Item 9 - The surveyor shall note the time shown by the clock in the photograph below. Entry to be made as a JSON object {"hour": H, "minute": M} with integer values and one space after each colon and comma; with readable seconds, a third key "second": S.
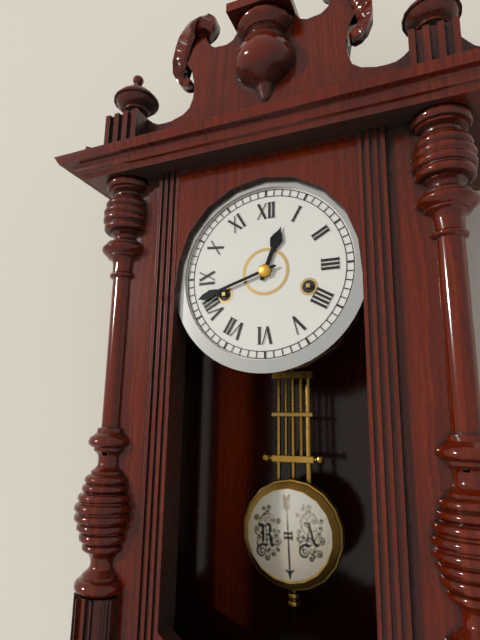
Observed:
{"hour": 12, "minute": 42}
